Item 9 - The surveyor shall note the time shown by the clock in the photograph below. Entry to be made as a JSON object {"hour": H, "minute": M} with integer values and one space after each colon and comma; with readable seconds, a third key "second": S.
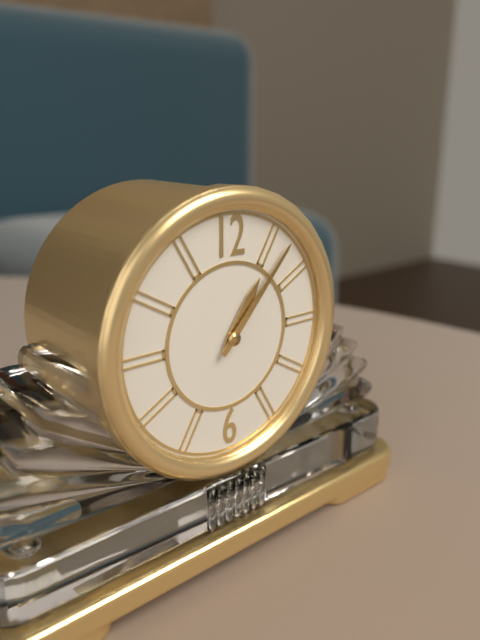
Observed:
{"hour": 1, "minute": 7}
